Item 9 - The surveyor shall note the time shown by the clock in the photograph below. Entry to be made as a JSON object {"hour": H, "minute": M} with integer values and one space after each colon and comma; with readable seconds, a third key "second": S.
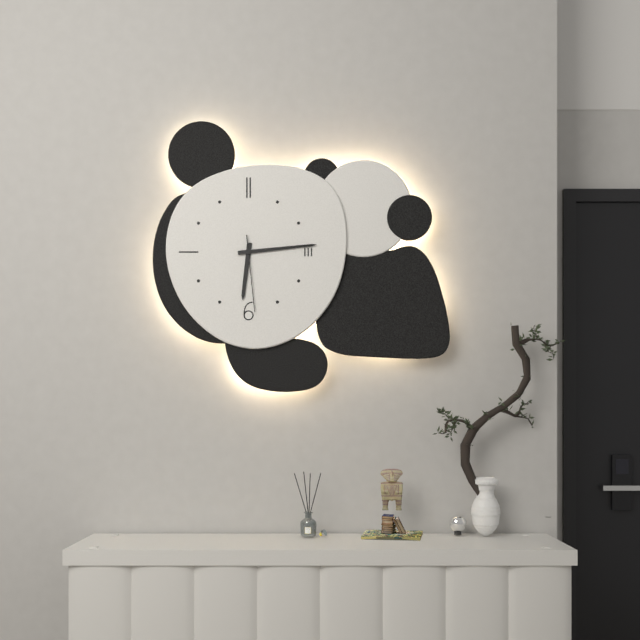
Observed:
{"hour": 6, "minute": 14, "second": 29}
